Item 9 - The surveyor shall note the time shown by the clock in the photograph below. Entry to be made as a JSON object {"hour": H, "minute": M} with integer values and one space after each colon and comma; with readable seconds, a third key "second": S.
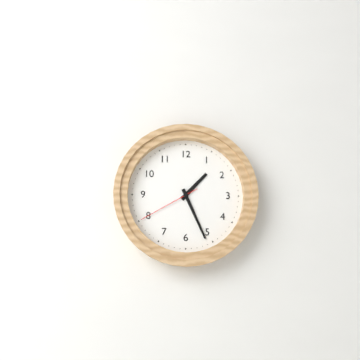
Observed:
{"hour": 1, "minute": 26, "second": 40}
